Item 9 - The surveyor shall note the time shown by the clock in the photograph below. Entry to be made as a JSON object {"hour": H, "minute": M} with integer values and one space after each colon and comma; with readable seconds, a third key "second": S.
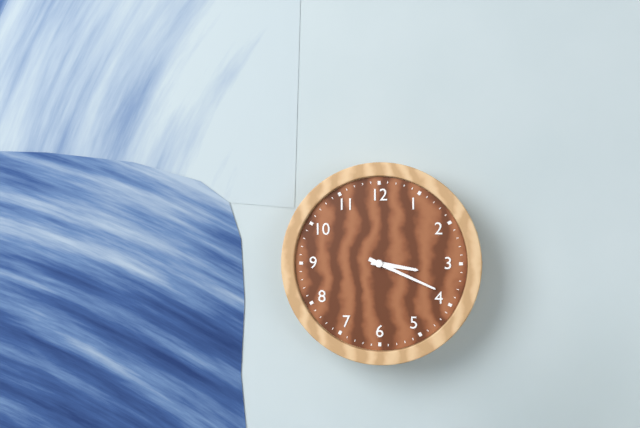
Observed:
{"hour": 3, "minute": 19}
